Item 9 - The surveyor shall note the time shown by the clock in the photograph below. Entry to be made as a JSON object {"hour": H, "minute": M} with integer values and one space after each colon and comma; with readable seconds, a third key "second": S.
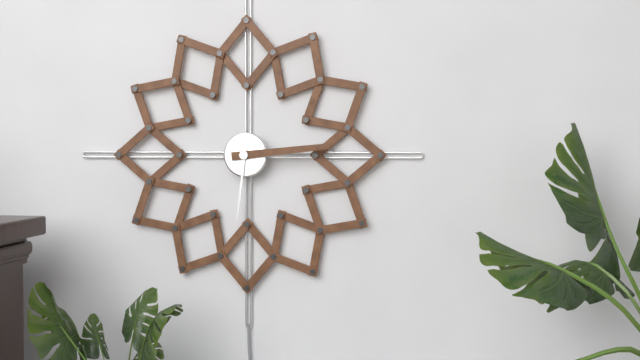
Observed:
{"hour": 6, "minute": 14}
